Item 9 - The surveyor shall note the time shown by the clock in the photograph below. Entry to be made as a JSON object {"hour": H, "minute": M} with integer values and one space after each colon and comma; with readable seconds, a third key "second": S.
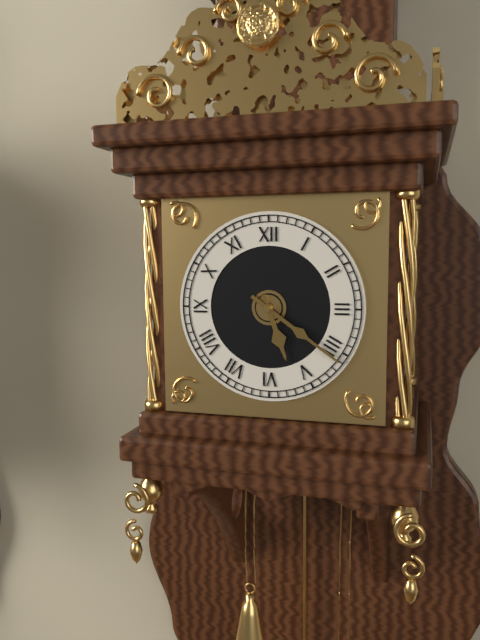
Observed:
{"hour": 5, "minute": 21}
